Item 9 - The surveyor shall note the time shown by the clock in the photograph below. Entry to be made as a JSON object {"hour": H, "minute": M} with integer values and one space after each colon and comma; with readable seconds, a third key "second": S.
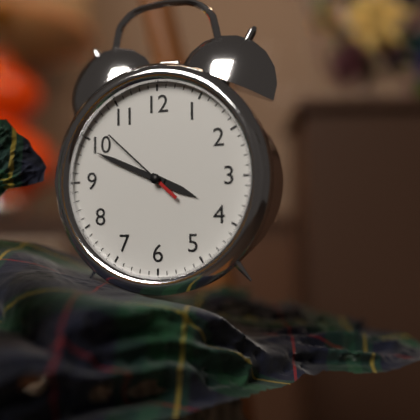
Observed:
{"hour": 3, "minute": 49, "second": 52}
